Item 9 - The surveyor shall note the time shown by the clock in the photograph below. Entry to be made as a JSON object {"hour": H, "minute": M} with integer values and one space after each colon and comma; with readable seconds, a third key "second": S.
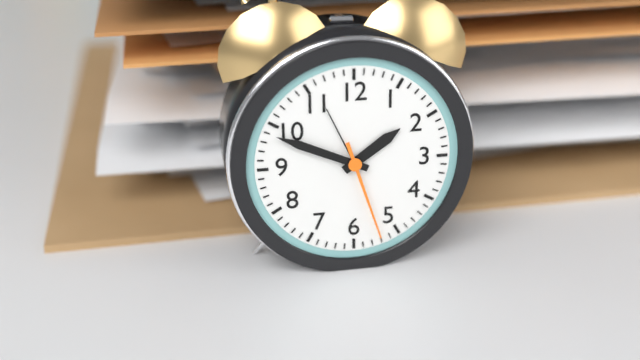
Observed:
{"hour": 1, "minute": 49, "second": 27}
